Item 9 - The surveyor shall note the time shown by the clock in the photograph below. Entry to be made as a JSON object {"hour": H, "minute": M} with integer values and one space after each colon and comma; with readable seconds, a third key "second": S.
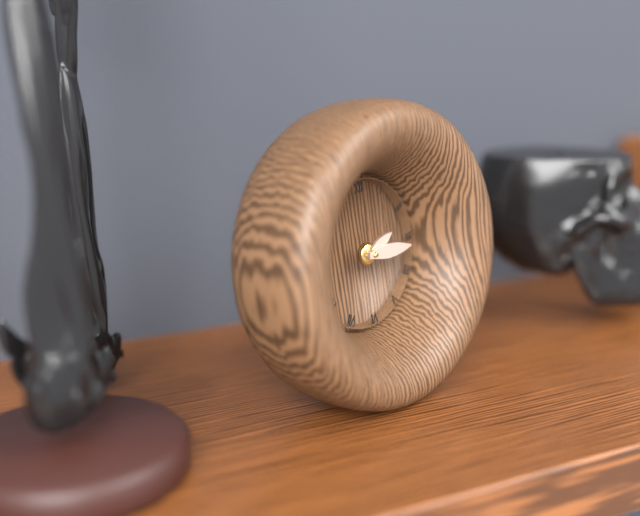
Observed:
{"hour": 2, "minute": 16}
